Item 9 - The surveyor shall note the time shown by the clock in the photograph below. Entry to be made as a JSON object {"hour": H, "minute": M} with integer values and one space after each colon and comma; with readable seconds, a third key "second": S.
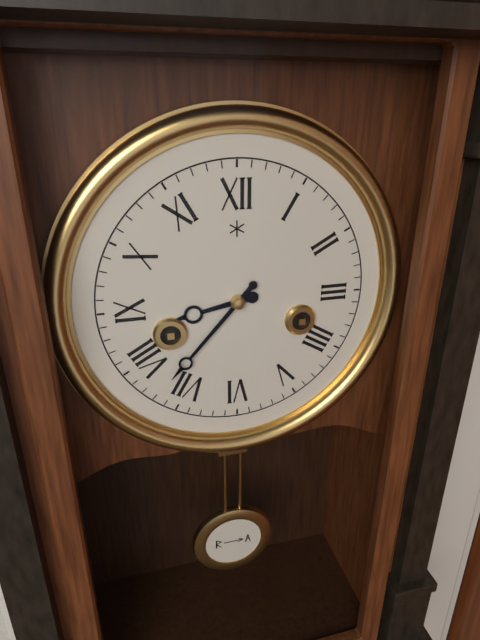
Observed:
{"hour": 8, "minute": 37}
